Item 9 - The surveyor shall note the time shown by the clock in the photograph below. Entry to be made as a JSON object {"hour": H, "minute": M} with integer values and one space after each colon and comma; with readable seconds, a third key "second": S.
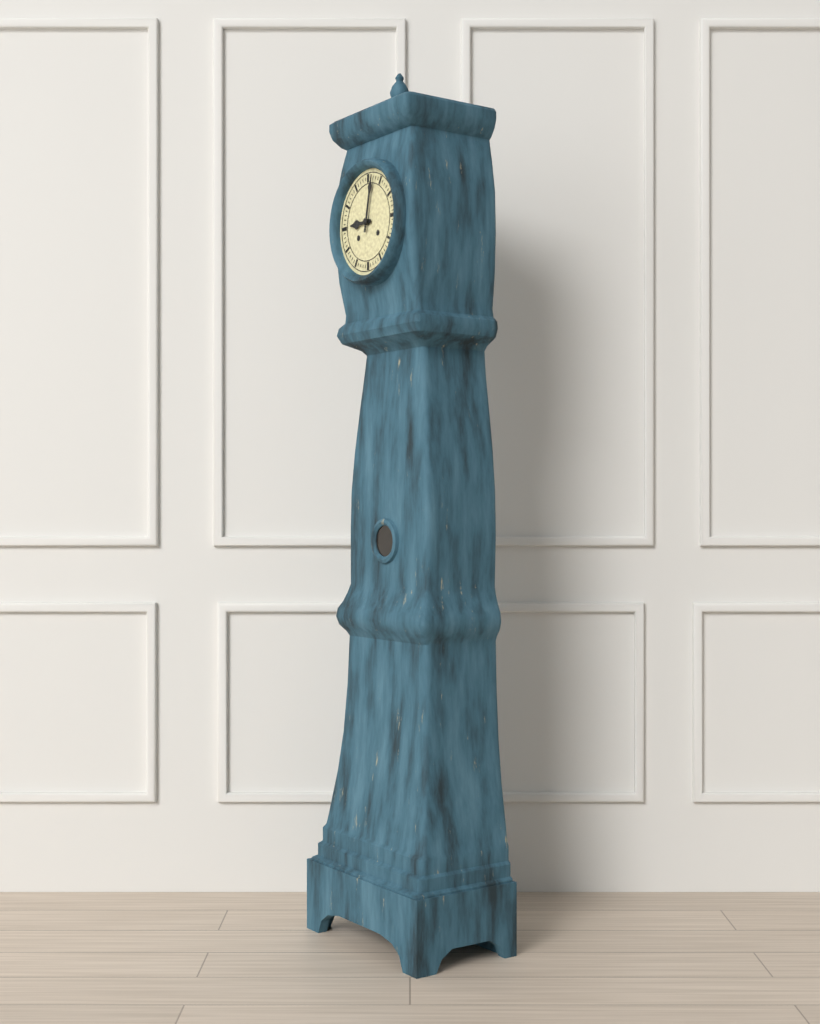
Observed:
{"hour": 9, "minute": 2}
